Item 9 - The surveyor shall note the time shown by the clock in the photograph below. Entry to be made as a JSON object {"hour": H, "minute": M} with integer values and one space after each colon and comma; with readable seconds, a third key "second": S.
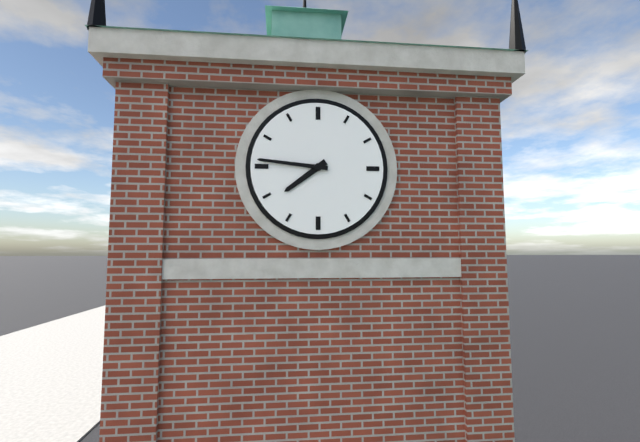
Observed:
{"hour": 7, "minute": 46}
